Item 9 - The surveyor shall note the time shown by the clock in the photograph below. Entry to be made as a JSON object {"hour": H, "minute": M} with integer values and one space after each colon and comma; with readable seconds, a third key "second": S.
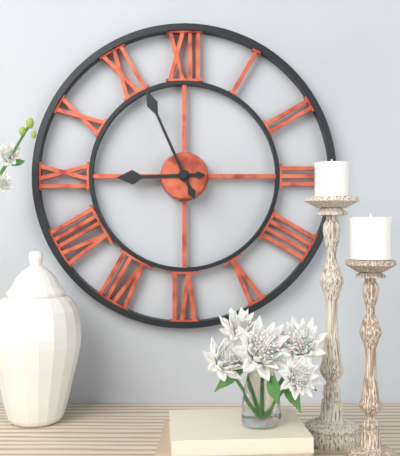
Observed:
{"hour": 8, "minute": 56}
